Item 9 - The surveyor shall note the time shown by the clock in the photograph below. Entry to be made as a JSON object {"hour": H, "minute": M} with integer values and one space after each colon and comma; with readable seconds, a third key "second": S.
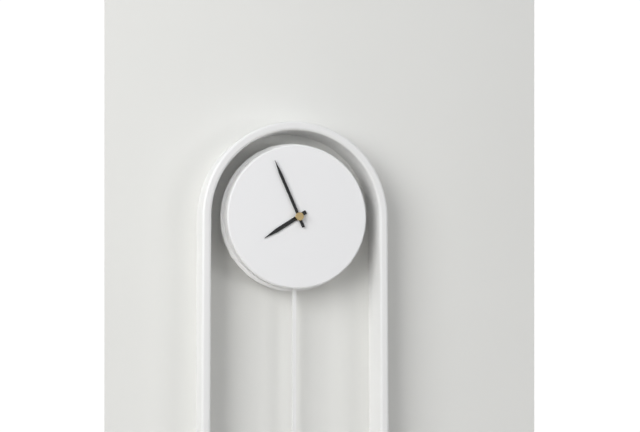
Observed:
{"hour": 7, "minute": 56}
